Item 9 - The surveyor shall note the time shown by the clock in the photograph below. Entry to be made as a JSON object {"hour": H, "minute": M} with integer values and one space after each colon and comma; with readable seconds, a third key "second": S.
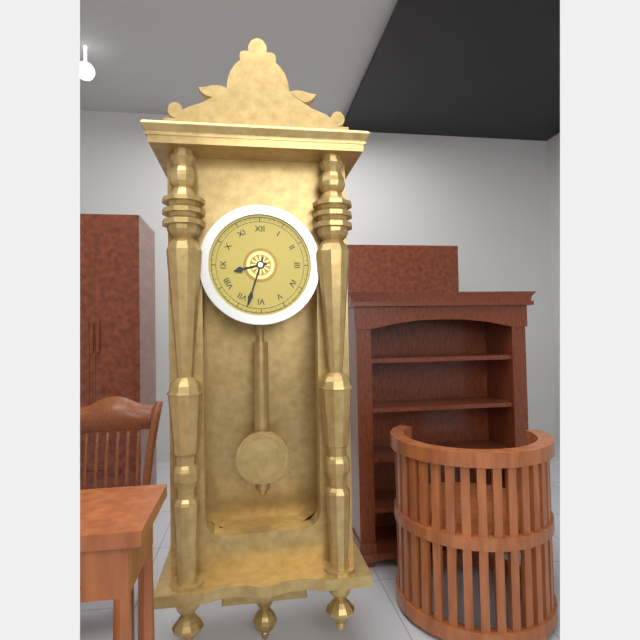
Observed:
{"hour": 8, "minute": 33}
